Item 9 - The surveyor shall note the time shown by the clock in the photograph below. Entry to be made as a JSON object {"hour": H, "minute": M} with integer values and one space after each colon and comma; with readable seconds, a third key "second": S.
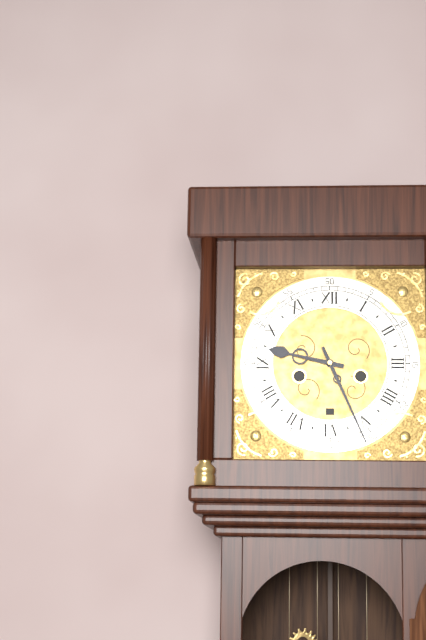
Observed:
{"hour": 9, "minute": 26}
